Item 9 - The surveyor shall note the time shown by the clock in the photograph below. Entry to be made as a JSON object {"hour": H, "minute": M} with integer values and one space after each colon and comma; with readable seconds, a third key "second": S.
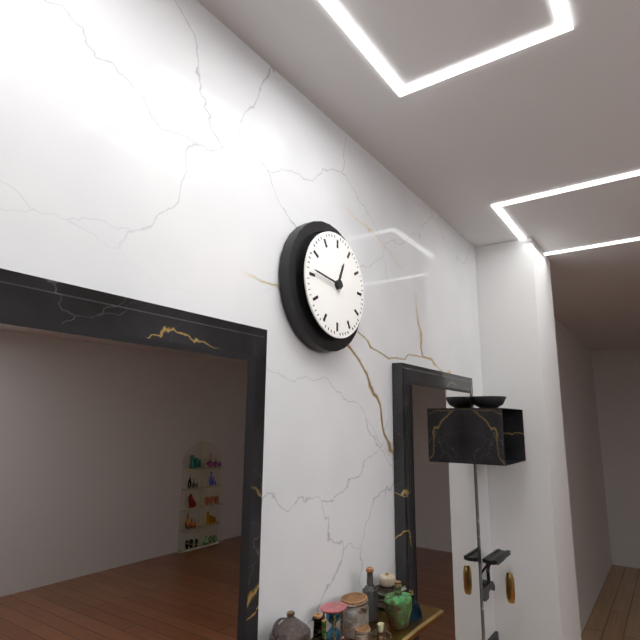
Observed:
{"hour": 12, "minute": 46}
